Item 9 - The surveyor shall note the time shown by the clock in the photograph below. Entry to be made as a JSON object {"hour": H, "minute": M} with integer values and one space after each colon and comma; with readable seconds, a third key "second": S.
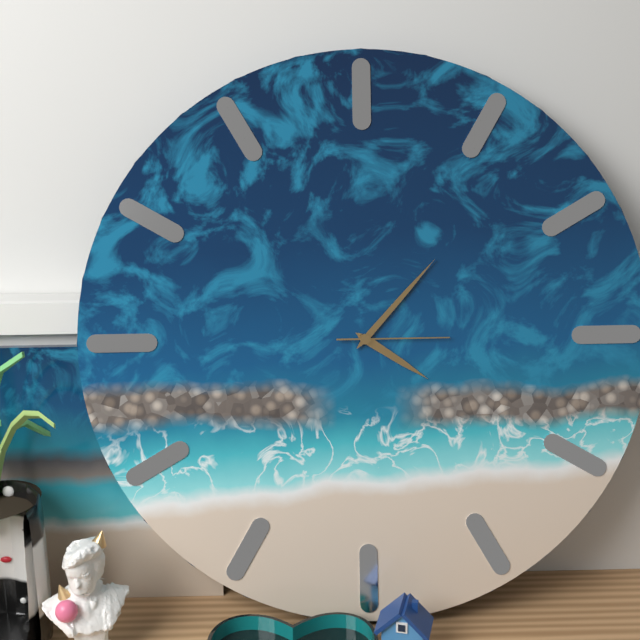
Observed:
{"hour": 4, "minute": 7, "second": 15}
